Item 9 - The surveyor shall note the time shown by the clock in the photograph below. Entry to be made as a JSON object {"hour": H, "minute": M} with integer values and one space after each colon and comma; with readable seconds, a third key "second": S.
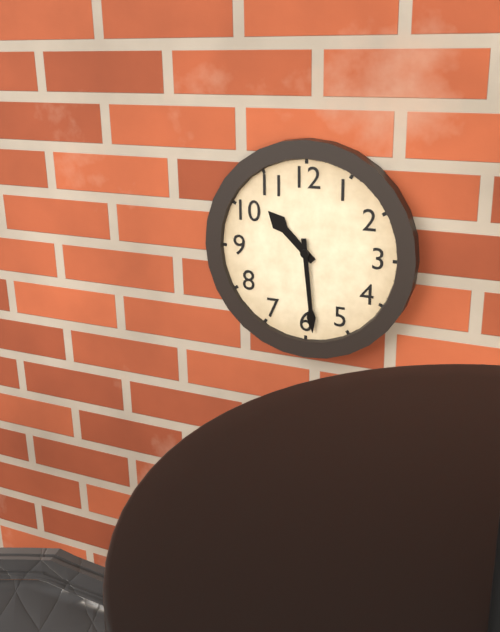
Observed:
{"hour": 10, "minute": 29}
